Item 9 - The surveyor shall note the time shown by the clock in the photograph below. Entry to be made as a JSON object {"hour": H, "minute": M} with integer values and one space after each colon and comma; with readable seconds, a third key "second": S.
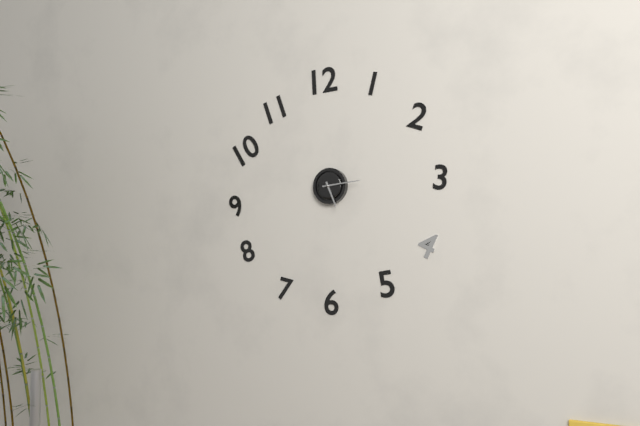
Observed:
{"hour": 5, "minute": 14}
